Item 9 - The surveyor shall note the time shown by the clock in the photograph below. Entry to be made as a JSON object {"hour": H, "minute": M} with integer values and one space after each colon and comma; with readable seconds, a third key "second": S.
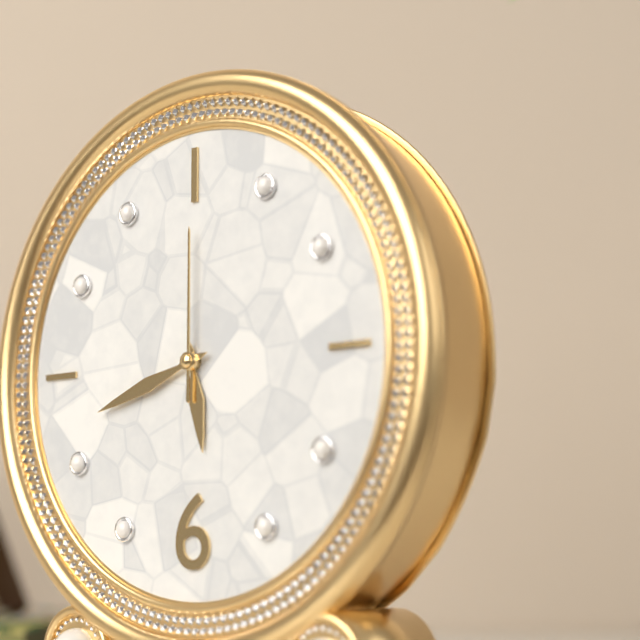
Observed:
{"hour": 5, "minute": 42, "second": 0}
